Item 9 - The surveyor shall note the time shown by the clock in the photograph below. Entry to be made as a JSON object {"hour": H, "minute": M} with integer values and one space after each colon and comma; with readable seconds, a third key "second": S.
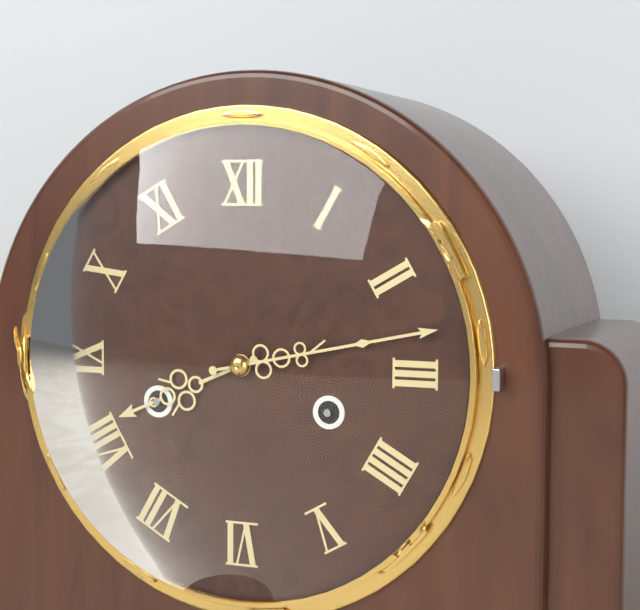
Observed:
{"hour": 8, "minute": 13}
